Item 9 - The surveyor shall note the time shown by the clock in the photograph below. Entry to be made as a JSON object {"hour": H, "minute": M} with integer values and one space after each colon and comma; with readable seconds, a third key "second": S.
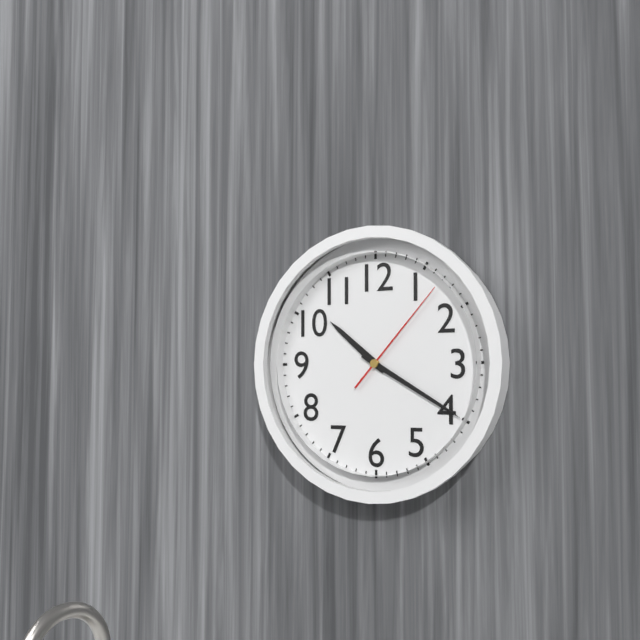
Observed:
{"hour": 10, "minute": 20, "second": 7}
